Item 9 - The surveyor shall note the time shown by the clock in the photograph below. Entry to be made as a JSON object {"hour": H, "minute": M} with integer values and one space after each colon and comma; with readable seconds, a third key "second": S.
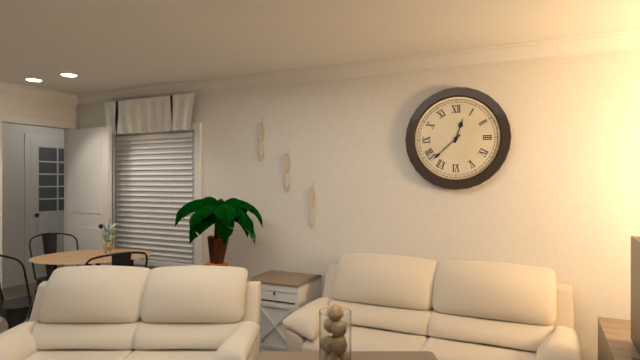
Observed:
{"hour": 12, "minute": 38}
